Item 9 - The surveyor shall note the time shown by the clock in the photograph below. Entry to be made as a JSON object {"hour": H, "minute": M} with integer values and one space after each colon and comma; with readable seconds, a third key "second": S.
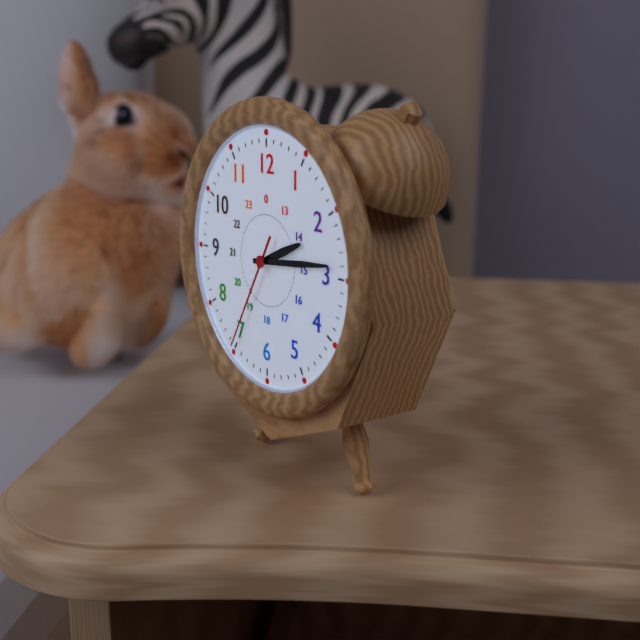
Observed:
{"hour": 2, "minute": 14, "second": 35}
